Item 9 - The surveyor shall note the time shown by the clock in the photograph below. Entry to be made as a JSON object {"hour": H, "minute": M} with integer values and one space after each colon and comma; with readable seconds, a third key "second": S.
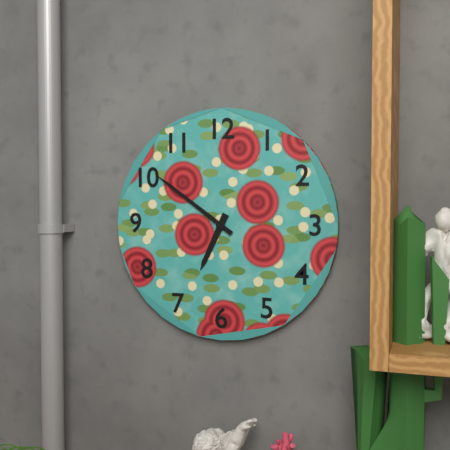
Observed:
{"hour": 6, "minute": 51}
